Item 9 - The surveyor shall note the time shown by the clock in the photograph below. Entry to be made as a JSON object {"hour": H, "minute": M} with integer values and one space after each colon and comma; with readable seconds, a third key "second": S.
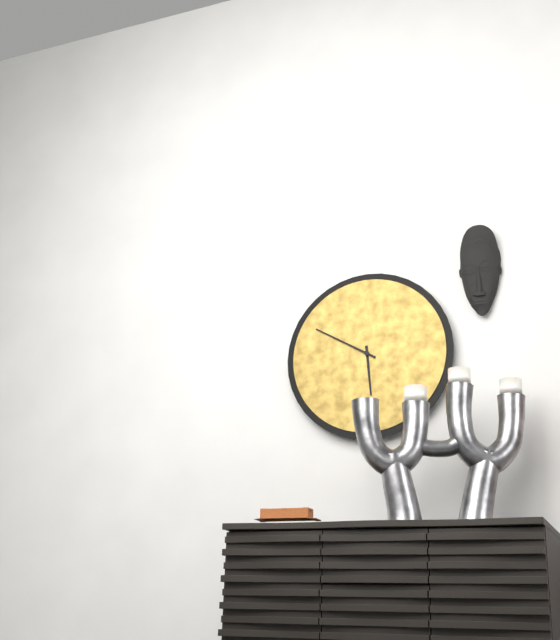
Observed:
{"hour": 5, "minute": 50}
